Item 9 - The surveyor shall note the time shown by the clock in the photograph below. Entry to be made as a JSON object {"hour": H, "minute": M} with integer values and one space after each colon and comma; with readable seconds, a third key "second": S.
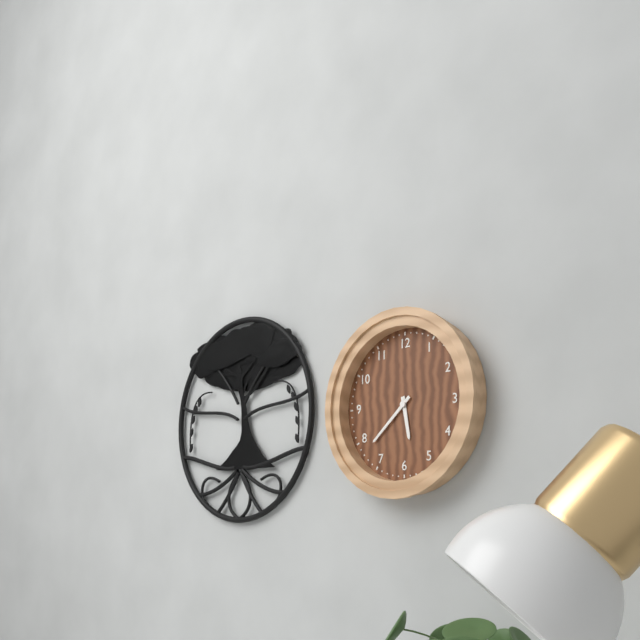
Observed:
{"hour": 5, "minute": 38}
